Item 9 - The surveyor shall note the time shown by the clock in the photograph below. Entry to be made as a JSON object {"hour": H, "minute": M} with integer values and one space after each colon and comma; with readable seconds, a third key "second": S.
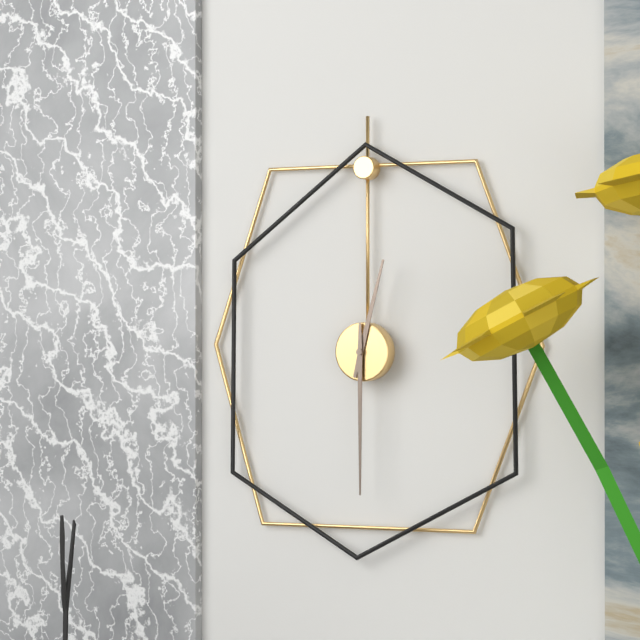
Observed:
{"hour": 12, "minute": 30}
